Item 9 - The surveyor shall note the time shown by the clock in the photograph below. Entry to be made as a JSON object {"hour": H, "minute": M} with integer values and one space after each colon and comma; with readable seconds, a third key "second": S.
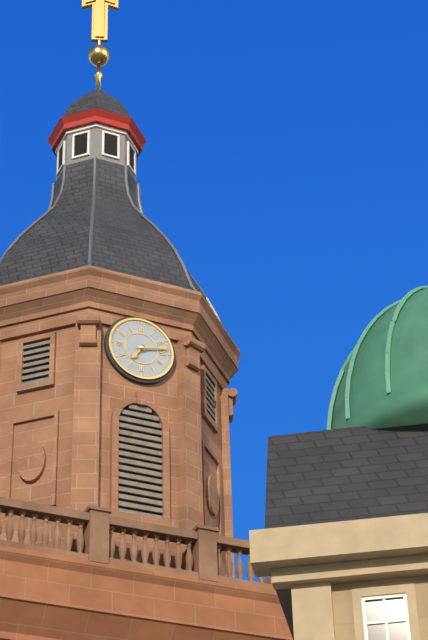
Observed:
{"hour": 7, "minute": 13}
